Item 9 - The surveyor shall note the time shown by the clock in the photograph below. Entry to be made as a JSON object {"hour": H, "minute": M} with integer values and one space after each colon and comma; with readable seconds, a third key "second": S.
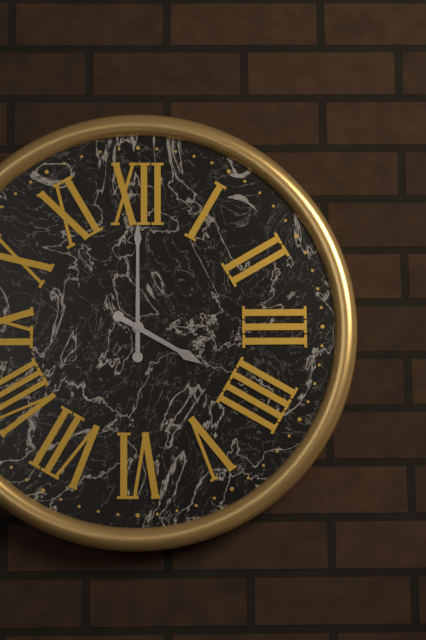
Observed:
{"hour": 4, "minute": 0}
